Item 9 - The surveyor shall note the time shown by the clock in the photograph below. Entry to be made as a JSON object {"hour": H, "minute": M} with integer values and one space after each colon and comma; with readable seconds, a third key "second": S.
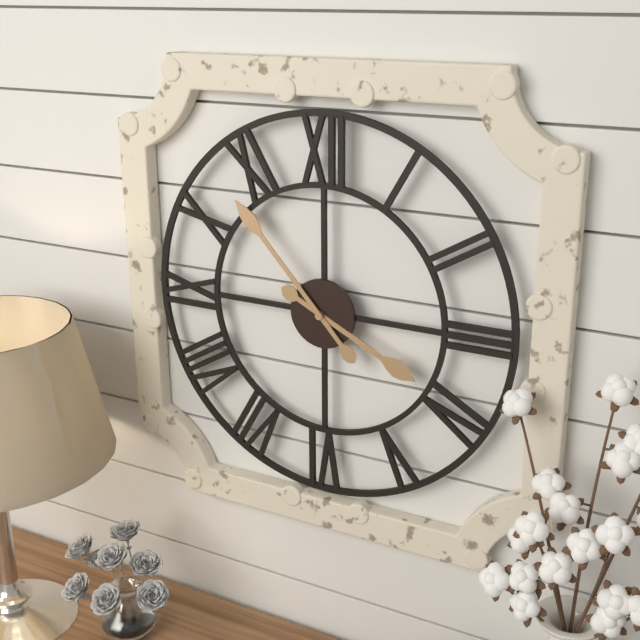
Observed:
{"hour": 3, "minute": 53}
